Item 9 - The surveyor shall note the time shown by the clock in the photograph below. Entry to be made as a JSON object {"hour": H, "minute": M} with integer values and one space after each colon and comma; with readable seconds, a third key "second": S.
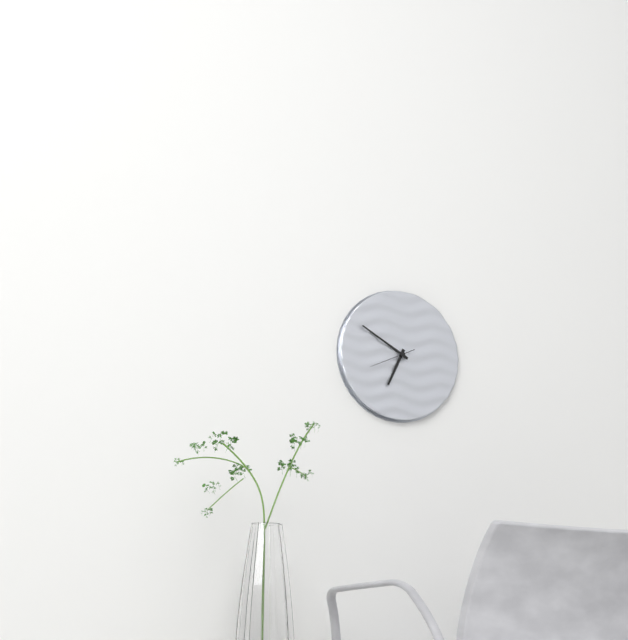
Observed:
{"hour": 6, "minute": 50}
